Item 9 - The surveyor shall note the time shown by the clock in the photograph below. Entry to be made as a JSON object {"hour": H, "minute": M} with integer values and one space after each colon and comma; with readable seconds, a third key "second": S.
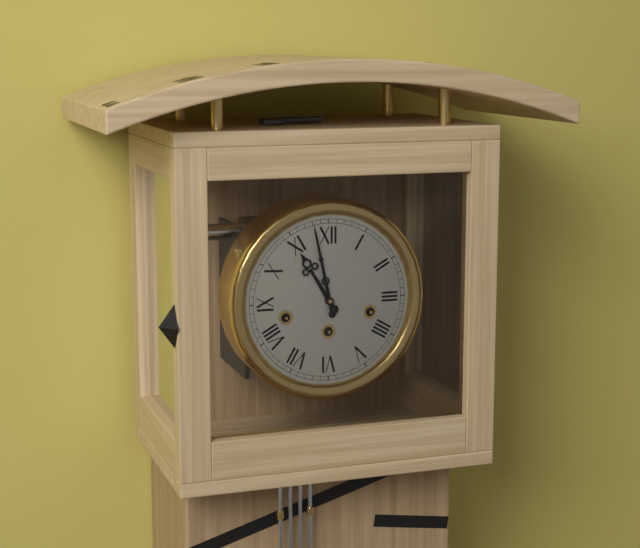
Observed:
{"hour": 10, "minute": 58}
